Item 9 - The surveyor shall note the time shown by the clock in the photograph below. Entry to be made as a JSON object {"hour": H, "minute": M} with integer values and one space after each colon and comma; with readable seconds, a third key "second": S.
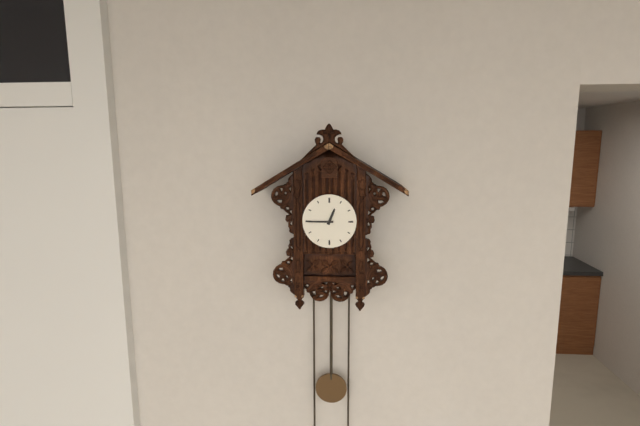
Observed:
{"hour": 12, "minute": 45}
